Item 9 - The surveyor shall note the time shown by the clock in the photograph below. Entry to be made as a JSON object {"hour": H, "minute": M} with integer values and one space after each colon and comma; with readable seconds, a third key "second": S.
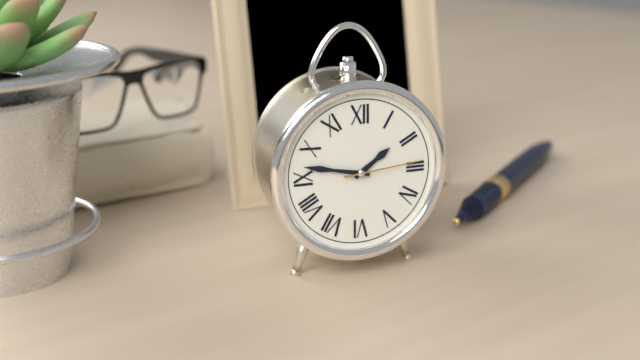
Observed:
{"hour": 1, "minute": 47, "second": 14}
